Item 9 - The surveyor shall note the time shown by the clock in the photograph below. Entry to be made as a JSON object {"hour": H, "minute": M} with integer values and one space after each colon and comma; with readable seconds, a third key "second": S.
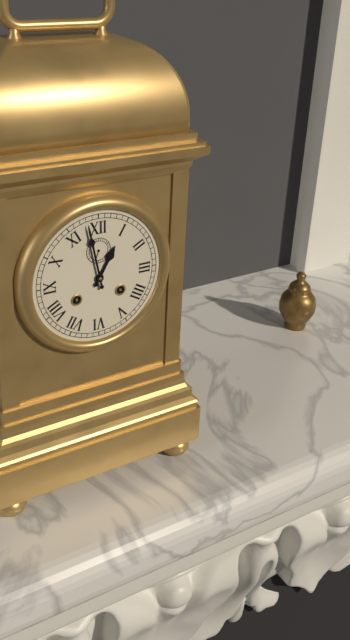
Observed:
{"hour": 12, "minute": 58}
